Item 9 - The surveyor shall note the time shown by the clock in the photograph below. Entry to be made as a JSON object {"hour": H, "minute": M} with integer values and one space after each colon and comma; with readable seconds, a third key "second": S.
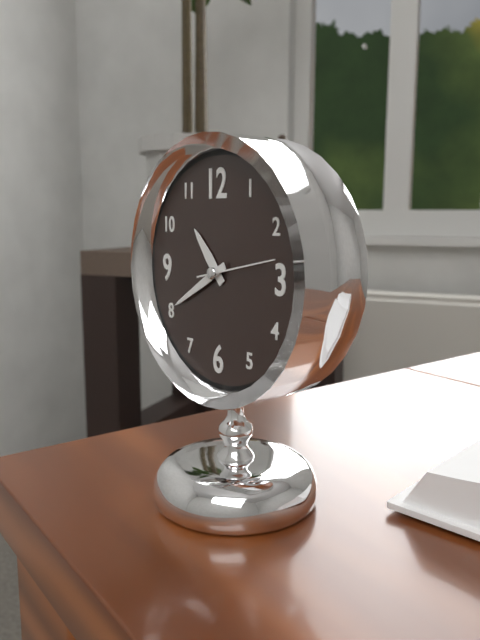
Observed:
{"hour": 10, "minute": 40, "second": 13}
